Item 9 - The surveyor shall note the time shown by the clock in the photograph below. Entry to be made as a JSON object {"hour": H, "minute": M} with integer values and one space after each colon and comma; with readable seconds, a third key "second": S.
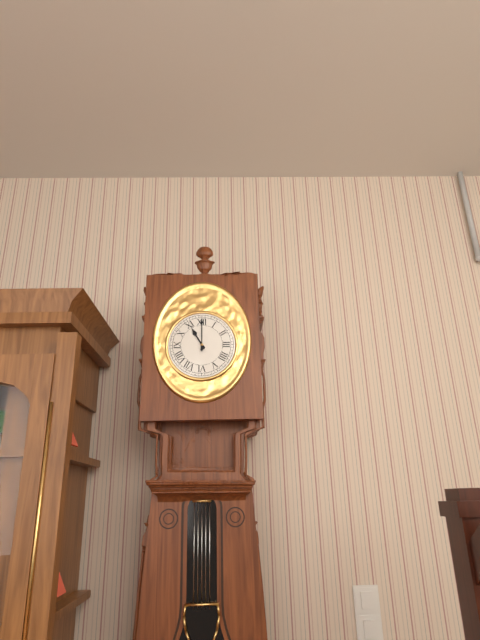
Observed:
{"hour": 11, "minute": 0}
